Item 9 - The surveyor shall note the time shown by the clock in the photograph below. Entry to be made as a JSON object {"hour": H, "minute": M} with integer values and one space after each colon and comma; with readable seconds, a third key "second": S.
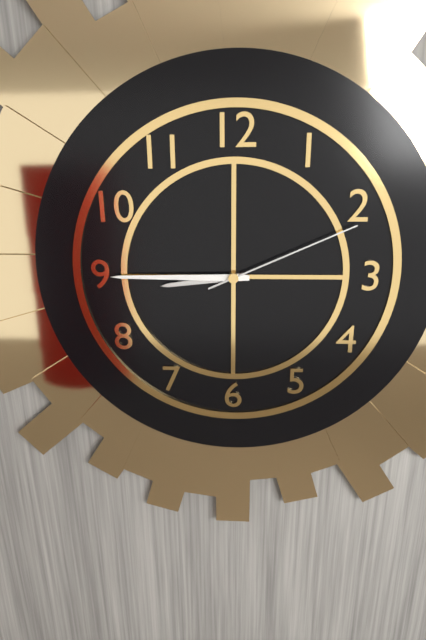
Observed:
{"hour": 8, "minute": 45, "second": 11}
